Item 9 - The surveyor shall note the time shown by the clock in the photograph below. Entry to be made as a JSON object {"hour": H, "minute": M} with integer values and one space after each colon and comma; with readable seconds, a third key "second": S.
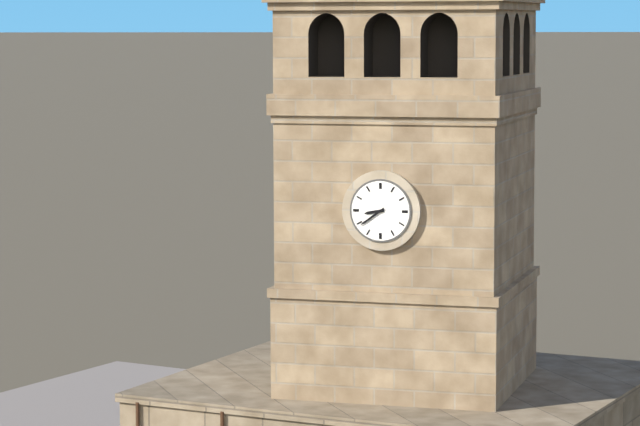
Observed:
{"hour": 8, "minute": 39}
